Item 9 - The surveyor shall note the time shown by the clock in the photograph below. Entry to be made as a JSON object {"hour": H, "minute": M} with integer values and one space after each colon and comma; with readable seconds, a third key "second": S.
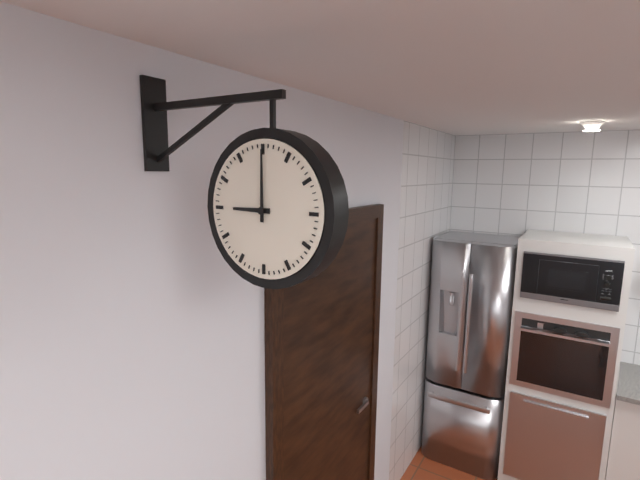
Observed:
{"hour": 9, "minute": 0}
